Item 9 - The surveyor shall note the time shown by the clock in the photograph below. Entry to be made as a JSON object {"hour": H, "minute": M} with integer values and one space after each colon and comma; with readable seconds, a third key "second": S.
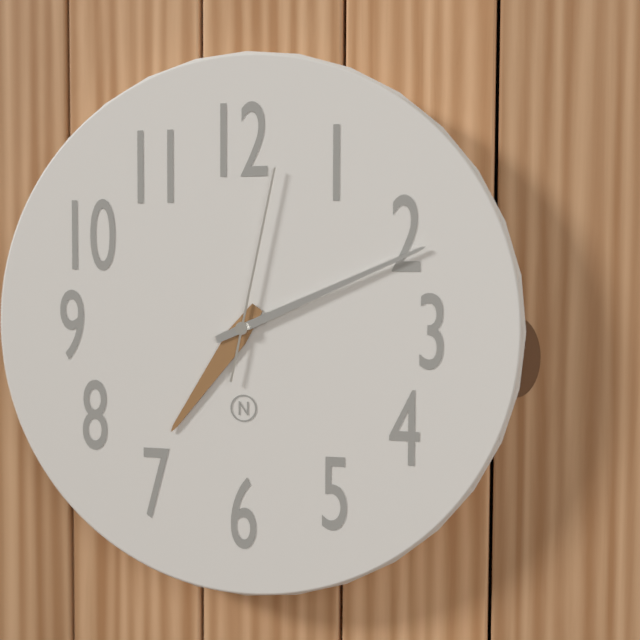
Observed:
{"hour": 7, "minute": 11, "second": 2}
